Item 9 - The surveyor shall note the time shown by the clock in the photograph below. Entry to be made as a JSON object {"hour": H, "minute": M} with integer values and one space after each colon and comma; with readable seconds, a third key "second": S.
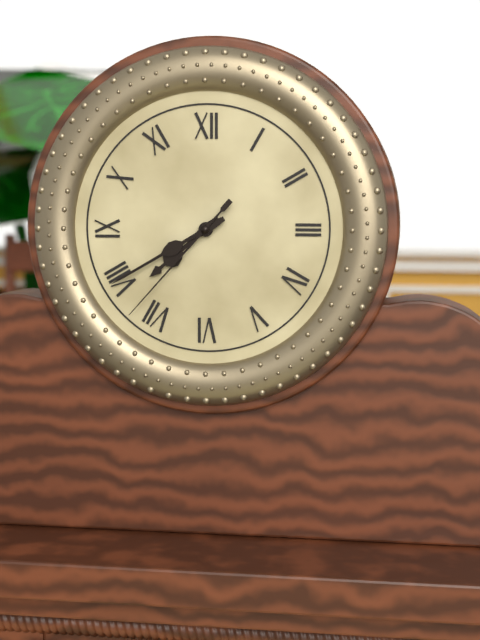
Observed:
{"hour": 7, "minute": 40, "second": 37}
